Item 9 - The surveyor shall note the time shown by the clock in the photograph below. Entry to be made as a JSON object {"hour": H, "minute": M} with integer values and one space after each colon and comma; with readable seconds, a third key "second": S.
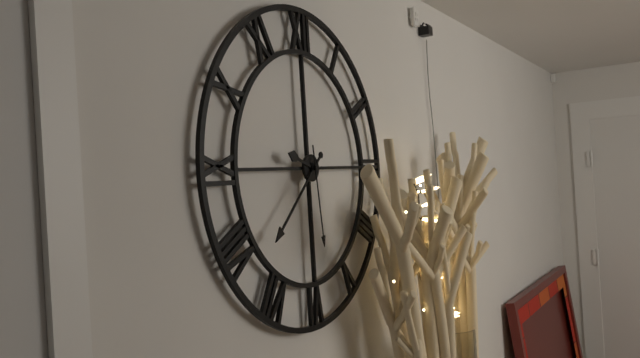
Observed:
{"hour": 9, "minute": 38, "second": 29}
